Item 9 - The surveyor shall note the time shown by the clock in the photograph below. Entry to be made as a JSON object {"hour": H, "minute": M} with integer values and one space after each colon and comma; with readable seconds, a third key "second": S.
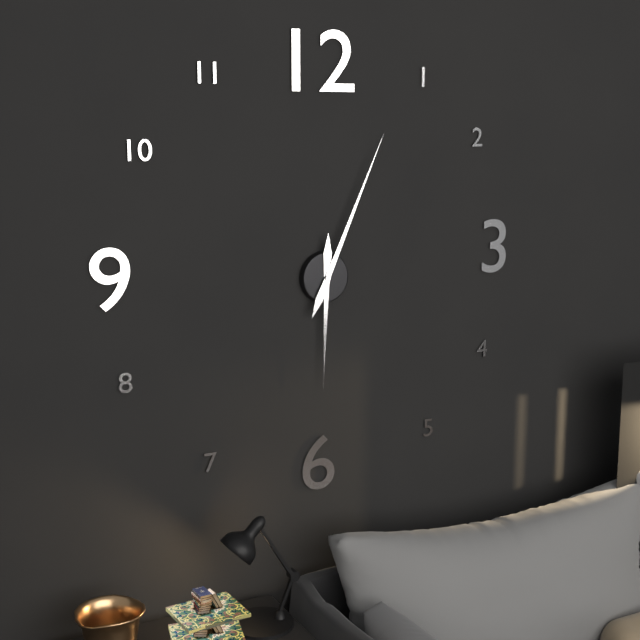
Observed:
{"hour": 6, "minute": 4}
